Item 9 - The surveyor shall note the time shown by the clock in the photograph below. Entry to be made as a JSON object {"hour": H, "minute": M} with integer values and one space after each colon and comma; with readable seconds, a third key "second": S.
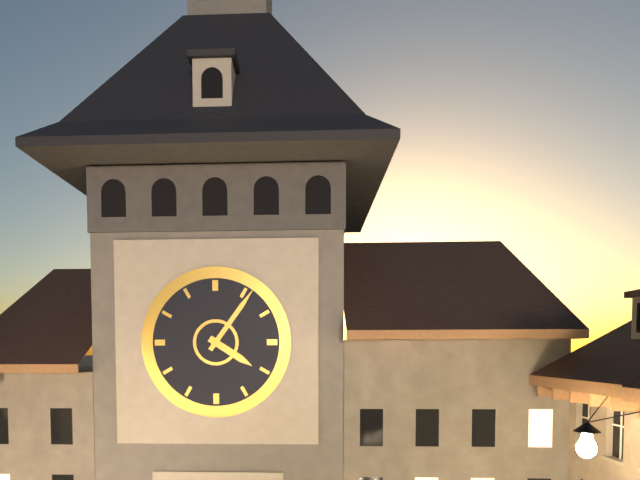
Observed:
{"hour": 4, "minute": 6}
